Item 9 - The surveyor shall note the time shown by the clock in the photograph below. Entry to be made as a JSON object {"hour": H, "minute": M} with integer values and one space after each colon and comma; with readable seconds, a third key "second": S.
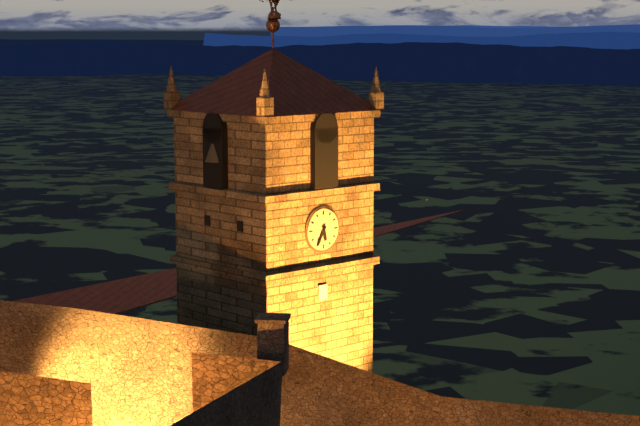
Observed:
{"hour": 5, "minute": 35}
